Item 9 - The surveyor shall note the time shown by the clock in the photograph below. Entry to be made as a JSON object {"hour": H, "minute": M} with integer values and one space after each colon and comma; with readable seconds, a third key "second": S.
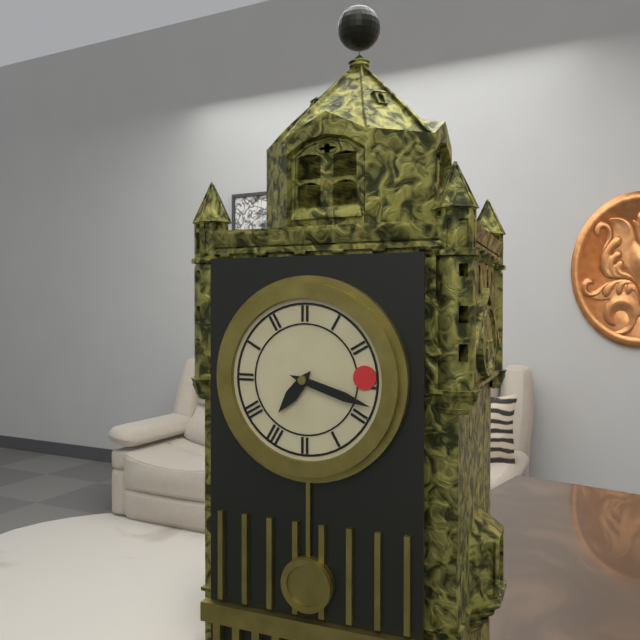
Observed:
{"hour": 7, "minute": 18}
